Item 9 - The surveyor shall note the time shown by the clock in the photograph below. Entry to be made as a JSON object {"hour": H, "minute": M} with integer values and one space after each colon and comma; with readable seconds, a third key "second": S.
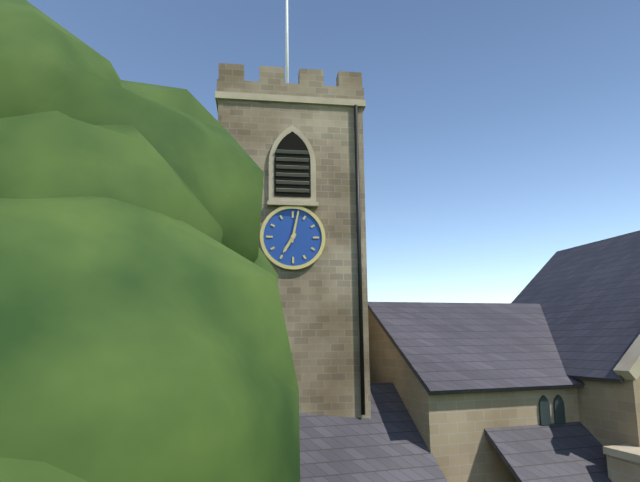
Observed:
{"hour": 7, "minute": 2}
